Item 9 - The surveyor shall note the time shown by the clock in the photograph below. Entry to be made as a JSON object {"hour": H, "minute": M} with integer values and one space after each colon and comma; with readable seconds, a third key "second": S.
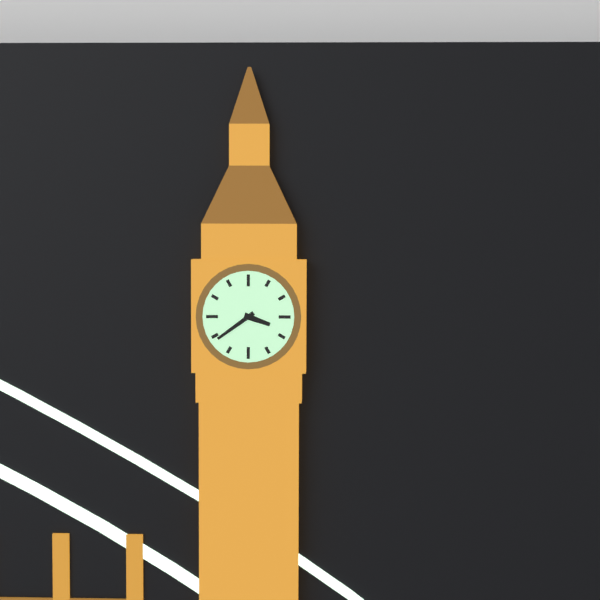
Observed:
{"hour": 3, "minute": 39}
